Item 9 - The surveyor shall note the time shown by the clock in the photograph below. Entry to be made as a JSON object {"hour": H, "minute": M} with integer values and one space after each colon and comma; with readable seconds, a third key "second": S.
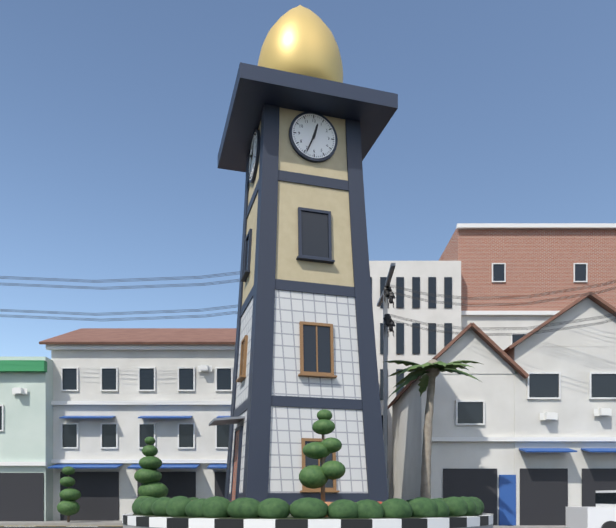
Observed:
{"hour": 12, "minute": 34}
